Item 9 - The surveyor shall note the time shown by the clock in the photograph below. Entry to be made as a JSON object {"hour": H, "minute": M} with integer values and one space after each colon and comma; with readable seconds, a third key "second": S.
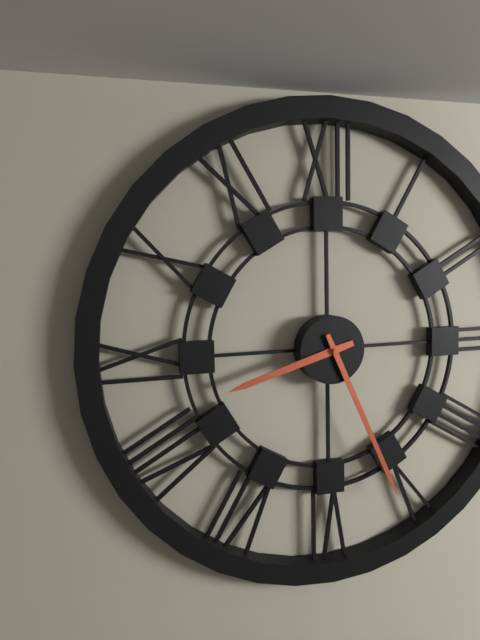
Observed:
{"hour": 8, "minute": 26}
